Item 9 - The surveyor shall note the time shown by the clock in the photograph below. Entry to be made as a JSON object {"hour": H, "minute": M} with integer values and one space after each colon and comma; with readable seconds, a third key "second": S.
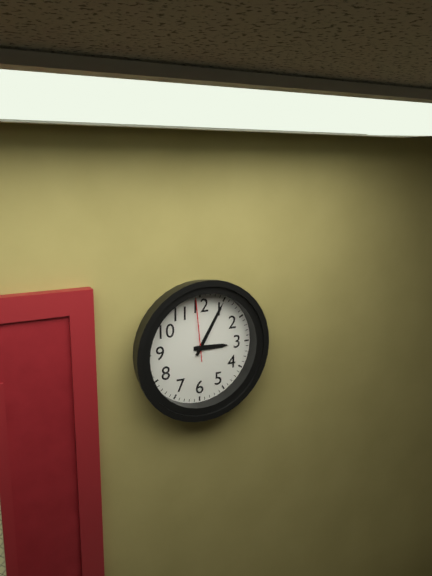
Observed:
{"hour": 3, "minute": 5, "second": 59}
